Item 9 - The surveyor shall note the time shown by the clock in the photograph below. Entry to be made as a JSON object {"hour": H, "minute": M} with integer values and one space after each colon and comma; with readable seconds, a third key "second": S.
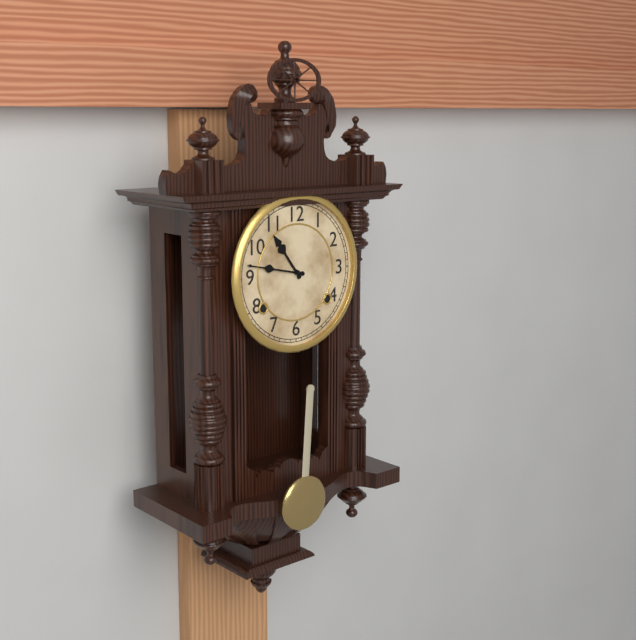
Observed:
{"hour": 10, "minute": 47}
